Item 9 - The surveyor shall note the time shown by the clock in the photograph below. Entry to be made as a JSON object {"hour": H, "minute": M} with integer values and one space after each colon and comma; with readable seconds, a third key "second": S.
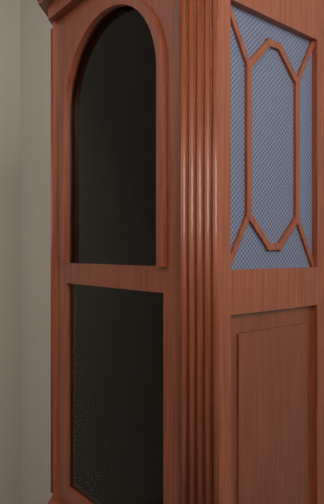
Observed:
{"hour": 10, "minute": 48}
